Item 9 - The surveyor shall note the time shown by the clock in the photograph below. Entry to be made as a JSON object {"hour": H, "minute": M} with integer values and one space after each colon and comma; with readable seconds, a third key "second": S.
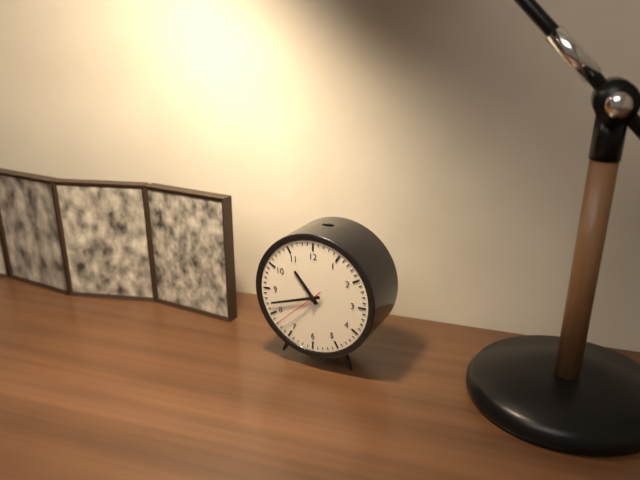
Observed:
{"hour": 10, "minute": 42, "second": 38}
